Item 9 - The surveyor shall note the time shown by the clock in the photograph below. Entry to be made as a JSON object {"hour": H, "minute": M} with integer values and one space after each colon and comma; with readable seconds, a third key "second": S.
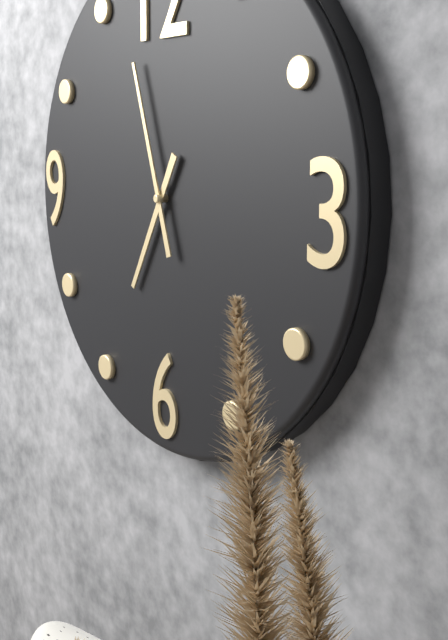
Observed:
{"hour": 6, "minute": 57}
